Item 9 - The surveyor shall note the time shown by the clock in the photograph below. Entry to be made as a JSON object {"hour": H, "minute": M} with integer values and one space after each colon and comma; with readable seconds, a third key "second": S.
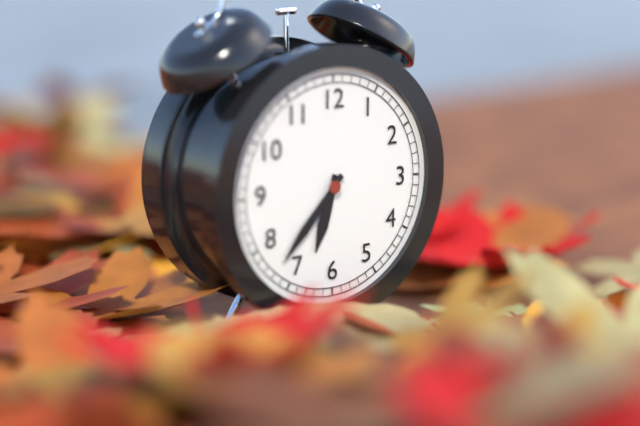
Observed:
{"hour": 6, "minute": 37}
